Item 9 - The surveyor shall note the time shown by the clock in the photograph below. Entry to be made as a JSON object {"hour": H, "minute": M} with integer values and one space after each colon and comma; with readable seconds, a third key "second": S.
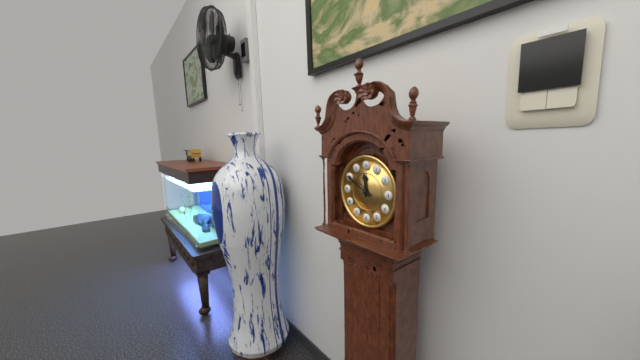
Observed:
{"hour": 11, "minute": 50}
